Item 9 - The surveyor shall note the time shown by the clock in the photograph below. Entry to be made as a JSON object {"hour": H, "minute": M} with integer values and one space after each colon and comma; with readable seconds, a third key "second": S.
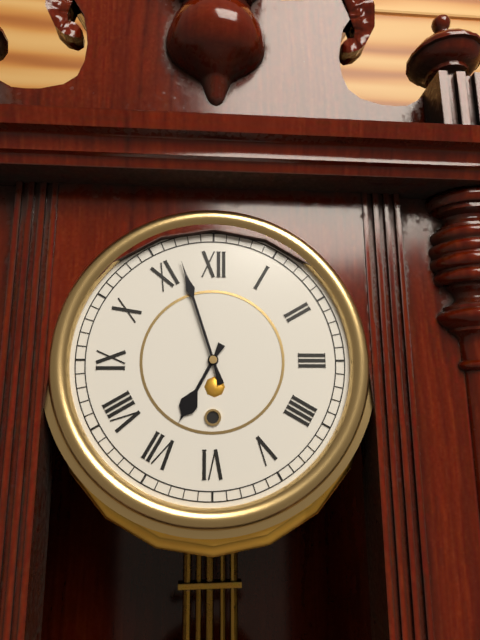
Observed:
{"hour": 6, "minute": 57}
